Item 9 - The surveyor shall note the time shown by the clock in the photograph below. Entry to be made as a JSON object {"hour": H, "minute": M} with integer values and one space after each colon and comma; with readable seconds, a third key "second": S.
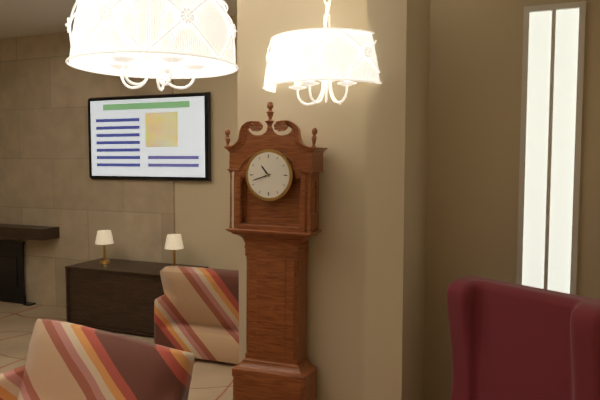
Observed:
{"hour": 10, "minute": 42}
